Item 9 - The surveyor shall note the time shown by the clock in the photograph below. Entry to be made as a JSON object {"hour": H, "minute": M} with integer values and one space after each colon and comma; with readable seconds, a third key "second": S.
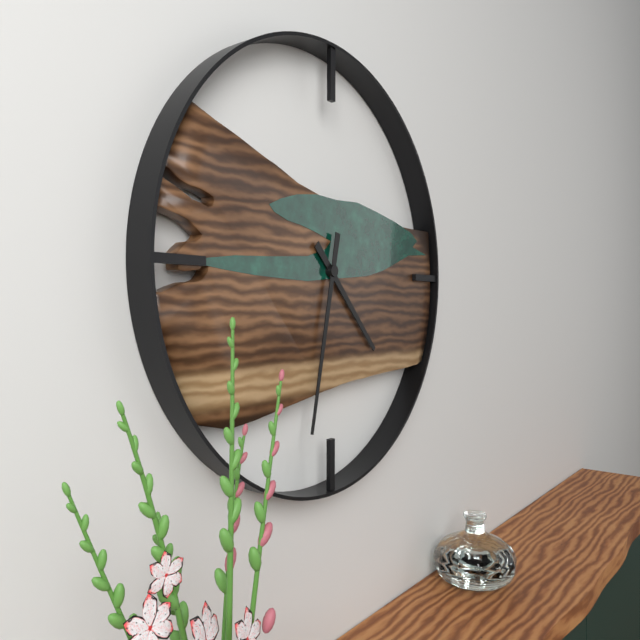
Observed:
{"hour": 4, "minute": 32}
